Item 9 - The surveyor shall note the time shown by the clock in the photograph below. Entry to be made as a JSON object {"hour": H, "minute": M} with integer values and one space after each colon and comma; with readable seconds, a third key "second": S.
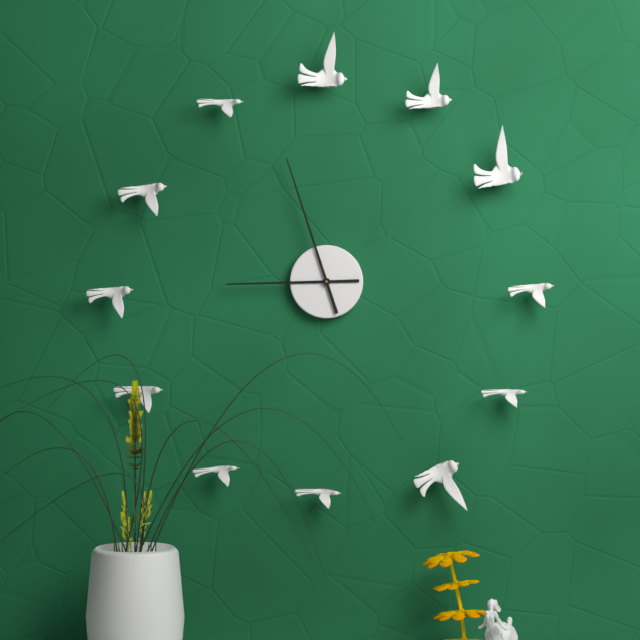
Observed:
{"hour": 8, "minute": 57}
